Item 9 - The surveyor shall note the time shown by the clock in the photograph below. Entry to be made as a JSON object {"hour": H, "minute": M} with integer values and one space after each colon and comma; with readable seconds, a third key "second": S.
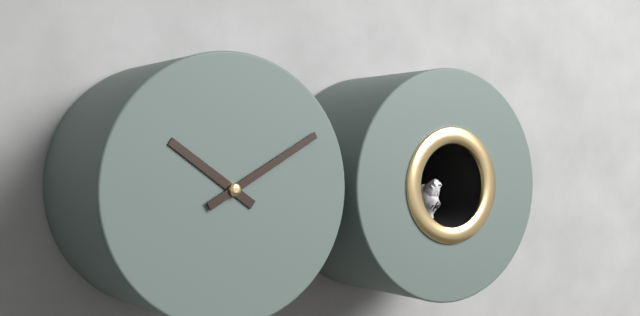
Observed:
{"hour": 10, "minute": 10}
